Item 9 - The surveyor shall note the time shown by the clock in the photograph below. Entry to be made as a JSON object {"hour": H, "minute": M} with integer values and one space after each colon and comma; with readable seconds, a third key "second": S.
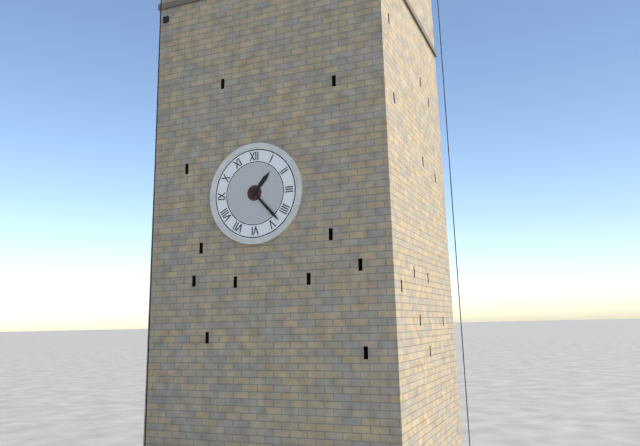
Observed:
{"hour": 1, "minute": 23}
